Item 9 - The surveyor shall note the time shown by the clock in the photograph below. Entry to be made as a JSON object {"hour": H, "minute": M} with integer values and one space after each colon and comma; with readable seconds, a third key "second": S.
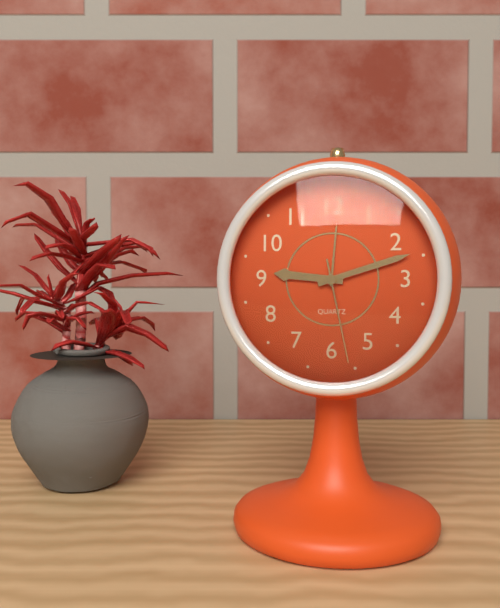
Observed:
{"hour": 9, "minute": 12, "second": 28}
